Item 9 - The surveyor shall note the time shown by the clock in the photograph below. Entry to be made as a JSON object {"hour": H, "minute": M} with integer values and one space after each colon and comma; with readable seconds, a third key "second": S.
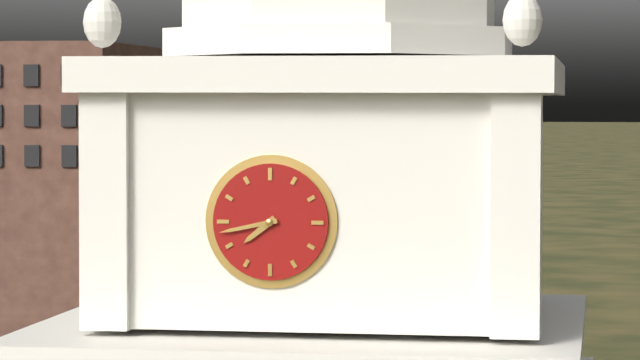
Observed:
{"hour": 7, "minute": 43}
